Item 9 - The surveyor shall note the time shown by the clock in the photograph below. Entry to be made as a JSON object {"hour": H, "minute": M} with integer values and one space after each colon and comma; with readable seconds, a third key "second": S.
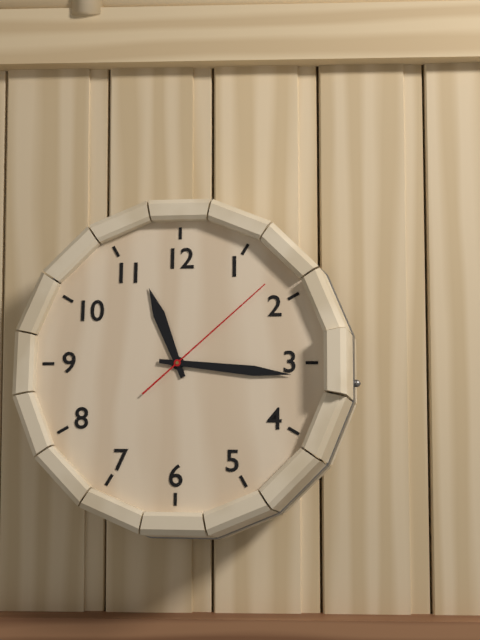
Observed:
{"hour": 11, "minute": 16, "second": 8}
